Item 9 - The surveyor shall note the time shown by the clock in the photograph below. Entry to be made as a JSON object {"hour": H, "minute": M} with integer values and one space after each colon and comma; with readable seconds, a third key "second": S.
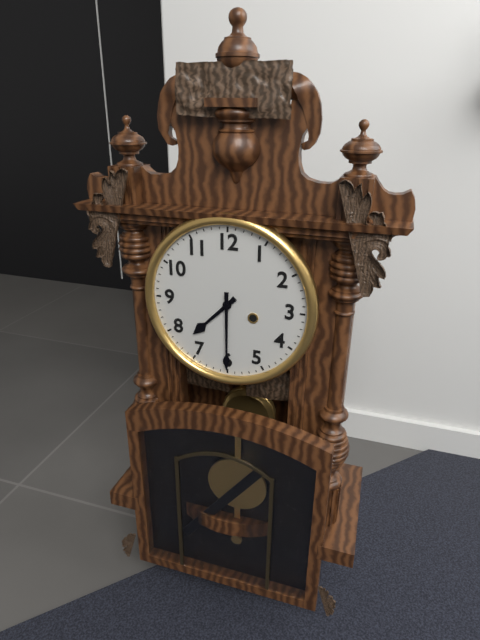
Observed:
{"hour": 7, "minute": 30}
